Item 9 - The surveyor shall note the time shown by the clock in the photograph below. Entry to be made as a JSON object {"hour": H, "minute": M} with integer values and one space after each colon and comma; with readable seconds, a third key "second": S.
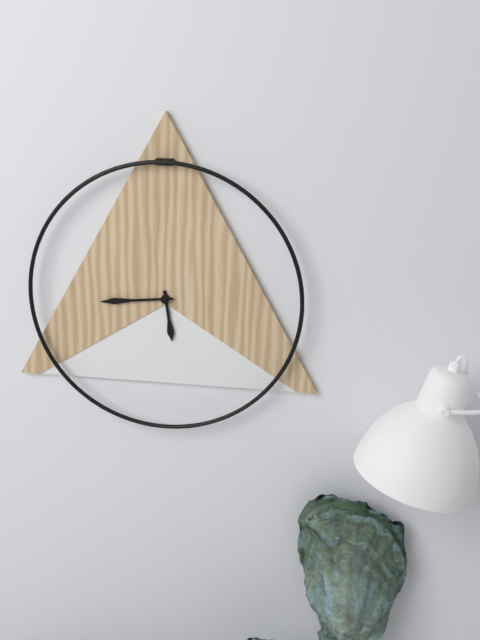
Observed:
{"hour": 5, "minute": 44}
